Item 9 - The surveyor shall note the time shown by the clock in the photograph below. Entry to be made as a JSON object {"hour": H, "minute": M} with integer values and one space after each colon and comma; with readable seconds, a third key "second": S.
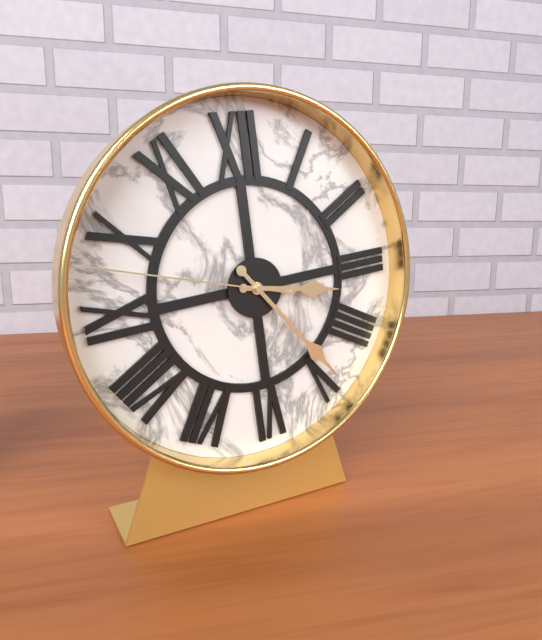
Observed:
{"hour": 3, "minute": 24, "second": 48}
